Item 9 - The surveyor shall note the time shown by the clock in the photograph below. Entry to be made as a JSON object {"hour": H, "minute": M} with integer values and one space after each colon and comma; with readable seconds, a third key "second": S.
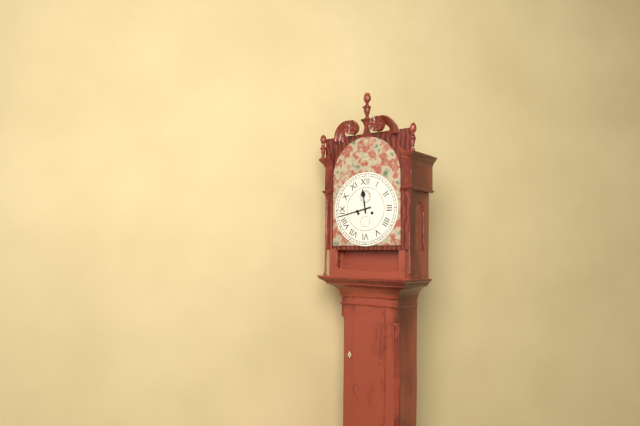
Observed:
{"hour": 11, "minute": 43}
